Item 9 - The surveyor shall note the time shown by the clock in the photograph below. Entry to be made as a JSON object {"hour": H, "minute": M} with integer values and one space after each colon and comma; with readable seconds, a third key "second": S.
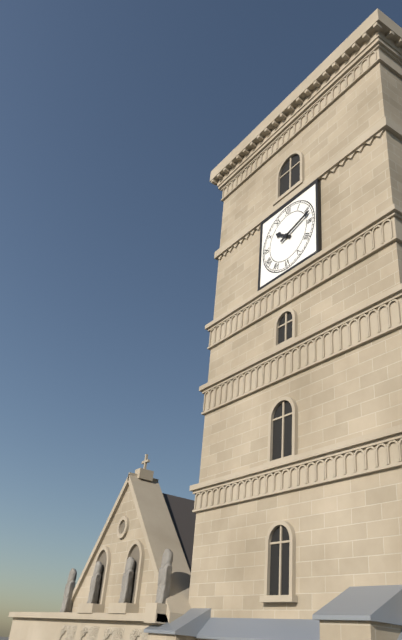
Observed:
{"hour": 10, "minute": 12}
